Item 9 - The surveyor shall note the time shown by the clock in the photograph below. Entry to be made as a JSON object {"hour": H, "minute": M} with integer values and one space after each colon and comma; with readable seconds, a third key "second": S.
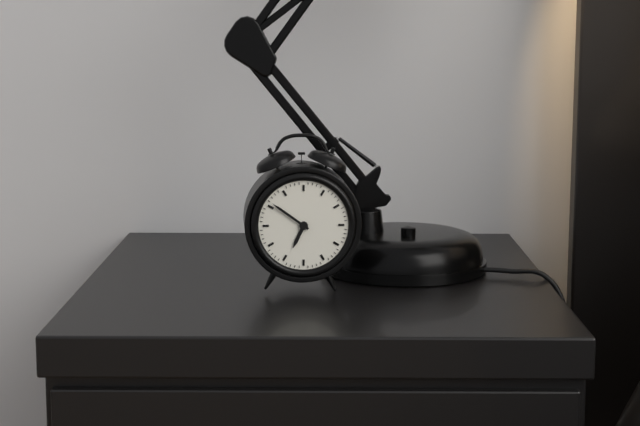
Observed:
{"hour": 6, "minute": 51}
